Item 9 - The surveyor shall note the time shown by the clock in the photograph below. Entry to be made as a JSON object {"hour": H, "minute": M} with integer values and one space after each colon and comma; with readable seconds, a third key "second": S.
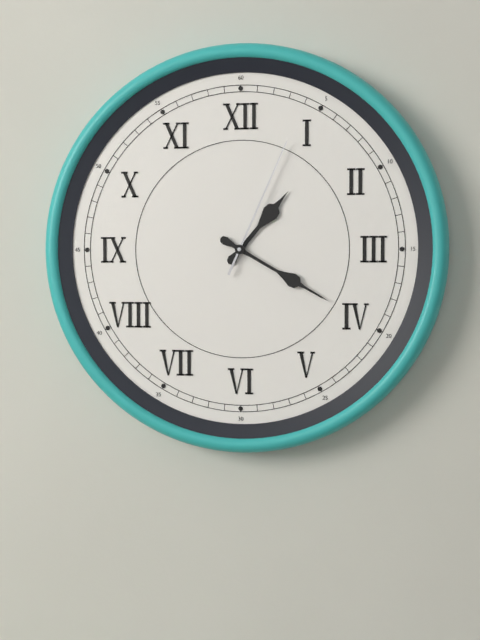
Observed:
{"hour": 1, "minute": 20, "second": 4}
